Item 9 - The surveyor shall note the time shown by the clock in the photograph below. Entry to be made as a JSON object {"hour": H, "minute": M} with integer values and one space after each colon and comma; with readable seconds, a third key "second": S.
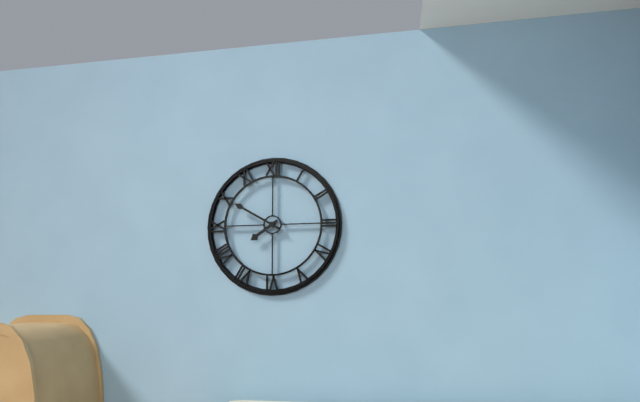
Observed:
{"hour": 7, "minute": 50}
